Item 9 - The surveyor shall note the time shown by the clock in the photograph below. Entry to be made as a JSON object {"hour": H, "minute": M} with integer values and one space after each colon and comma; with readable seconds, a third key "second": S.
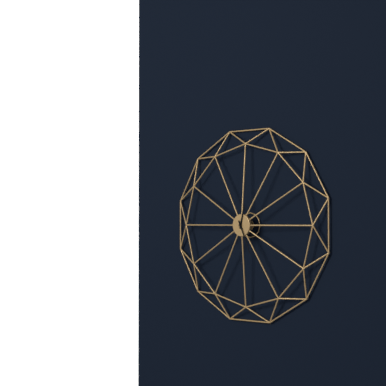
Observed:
{"hour": 12, "minute": 26}
